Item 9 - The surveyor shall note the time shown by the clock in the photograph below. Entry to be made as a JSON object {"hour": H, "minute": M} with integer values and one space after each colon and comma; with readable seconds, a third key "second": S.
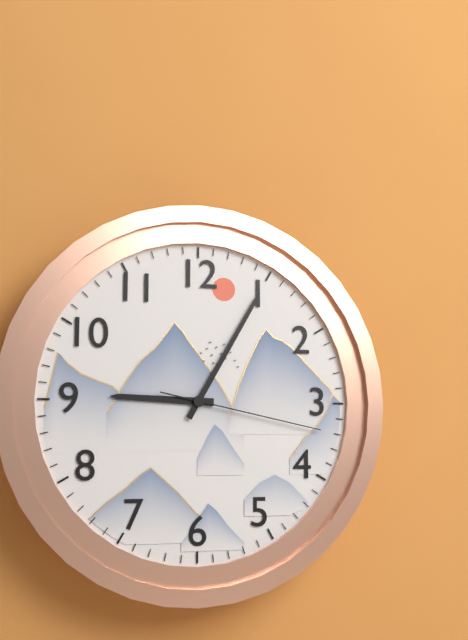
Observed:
{"hour": 9, "minute": 5, "second": 17}
